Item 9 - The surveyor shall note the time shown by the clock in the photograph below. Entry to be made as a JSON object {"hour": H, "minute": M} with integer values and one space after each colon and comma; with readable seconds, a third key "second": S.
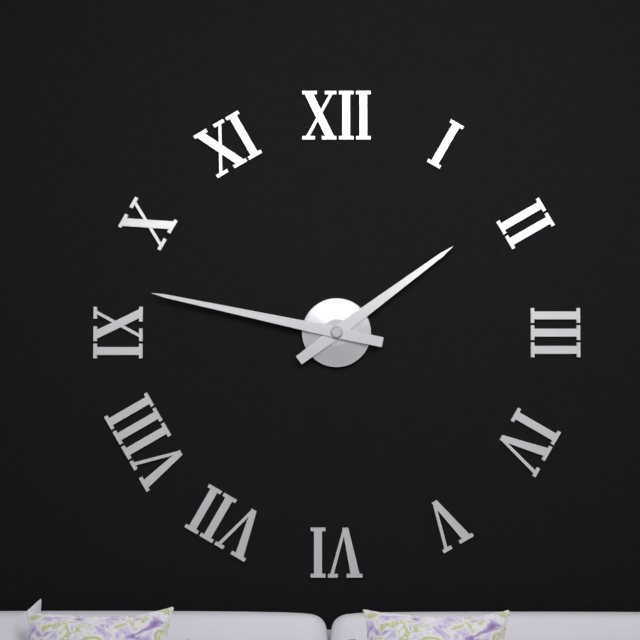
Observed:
{"hour": 1, "minute": 47}
